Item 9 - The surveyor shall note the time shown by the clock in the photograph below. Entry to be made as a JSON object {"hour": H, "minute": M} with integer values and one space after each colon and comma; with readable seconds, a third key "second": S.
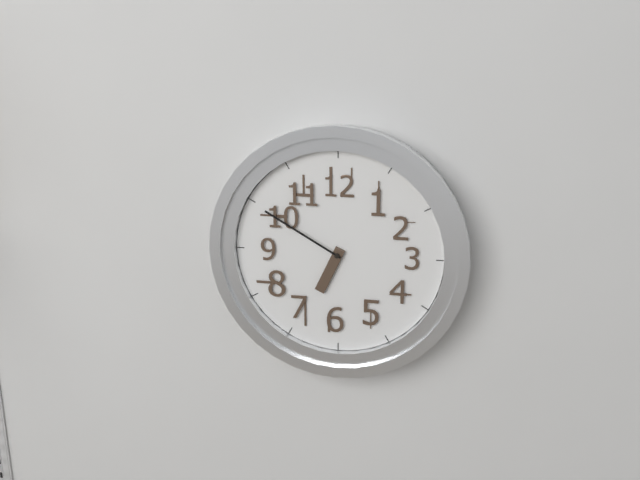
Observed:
{"hour": 6, "minute": 50}
